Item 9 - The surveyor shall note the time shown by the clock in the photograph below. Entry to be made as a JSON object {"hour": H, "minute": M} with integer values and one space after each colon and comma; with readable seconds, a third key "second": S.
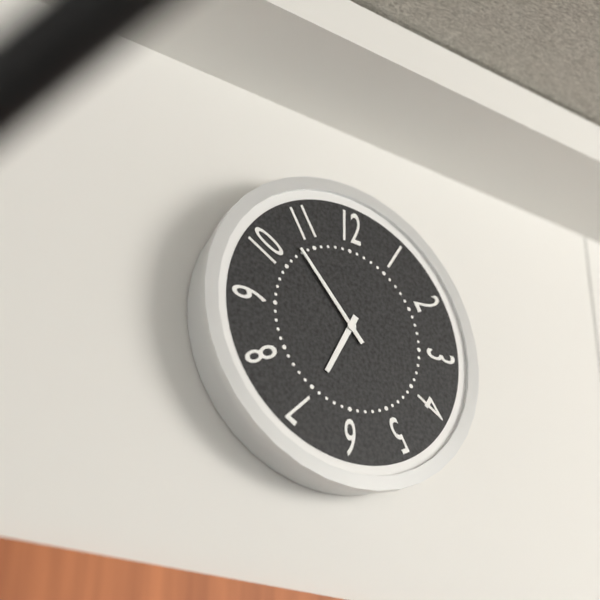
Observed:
{"hour": 6, "minute": 53}
